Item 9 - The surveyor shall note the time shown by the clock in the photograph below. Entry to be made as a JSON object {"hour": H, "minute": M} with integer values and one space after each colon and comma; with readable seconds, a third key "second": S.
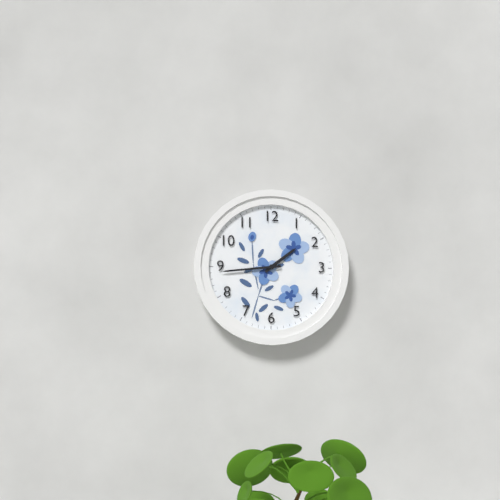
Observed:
{"hour": 1, "minute": 44}
